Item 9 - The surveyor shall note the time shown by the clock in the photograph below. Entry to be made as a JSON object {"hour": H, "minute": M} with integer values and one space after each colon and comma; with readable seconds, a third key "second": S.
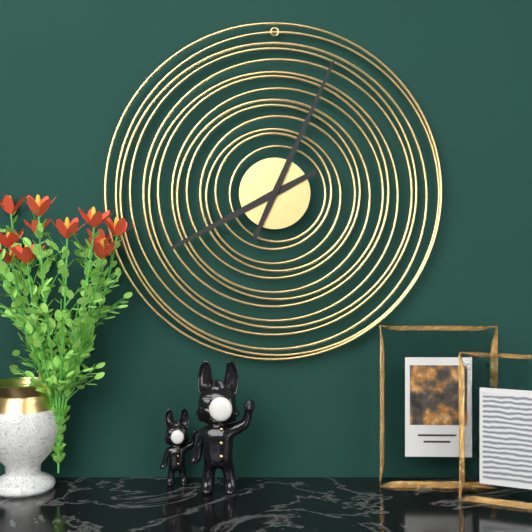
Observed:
{"hour": 8, "minute": 4}
